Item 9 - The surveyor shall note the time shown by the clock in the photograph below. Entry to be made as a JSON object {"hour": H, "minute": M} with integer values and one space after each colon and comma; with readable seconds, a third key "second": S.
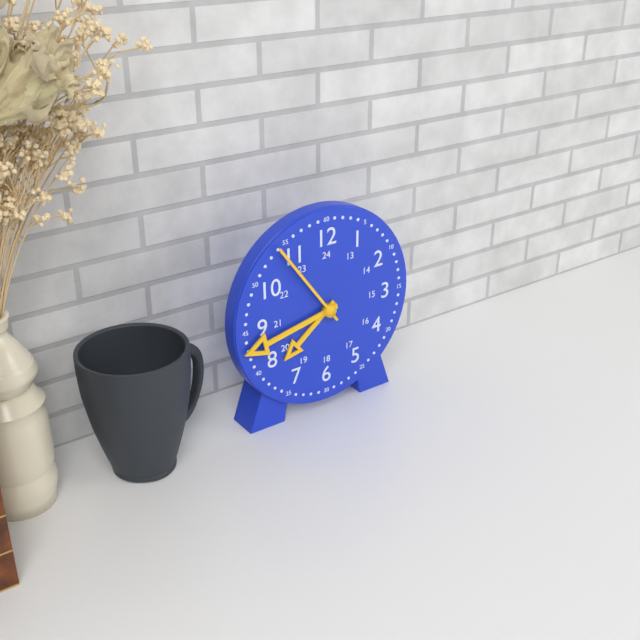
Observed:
{"hour": 7, "minute": 43, "second": 54}
